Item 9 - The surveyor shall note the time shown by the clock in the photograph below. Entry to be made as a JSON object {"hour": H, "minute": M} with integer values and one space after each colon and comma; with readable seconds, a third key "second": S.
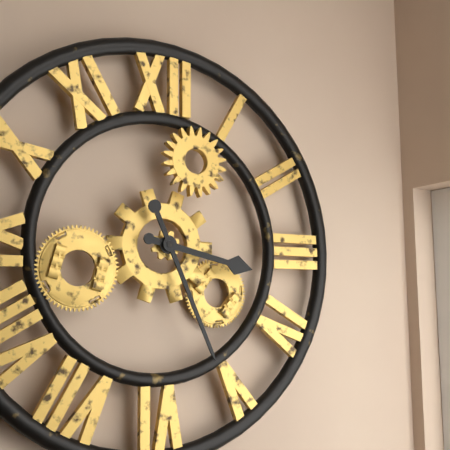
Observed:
{"hour": 3, "minute": 26}
